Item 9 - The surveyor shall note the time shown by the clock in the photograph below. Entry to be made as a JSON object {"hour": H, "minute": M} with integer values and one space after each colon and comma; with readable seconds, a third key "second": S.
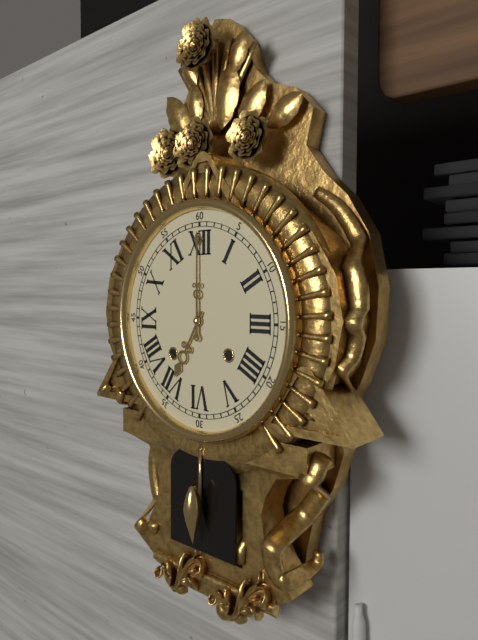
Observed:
{"hour": 7, "minute": 0}
